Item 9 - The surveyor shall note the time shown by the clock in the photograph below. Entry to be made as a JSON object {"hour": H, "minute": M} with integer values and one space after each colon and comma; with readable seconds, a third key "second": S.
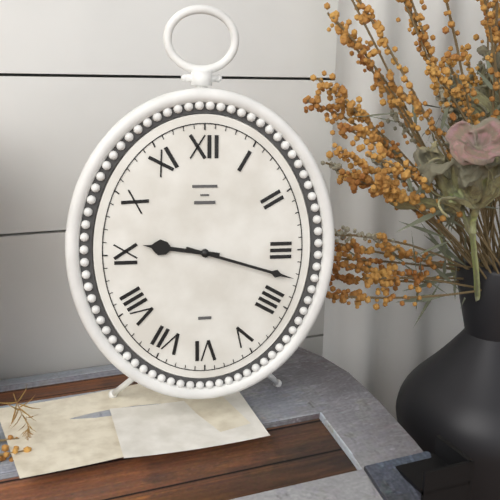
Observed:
{"hour": 9, "minute": 18}
